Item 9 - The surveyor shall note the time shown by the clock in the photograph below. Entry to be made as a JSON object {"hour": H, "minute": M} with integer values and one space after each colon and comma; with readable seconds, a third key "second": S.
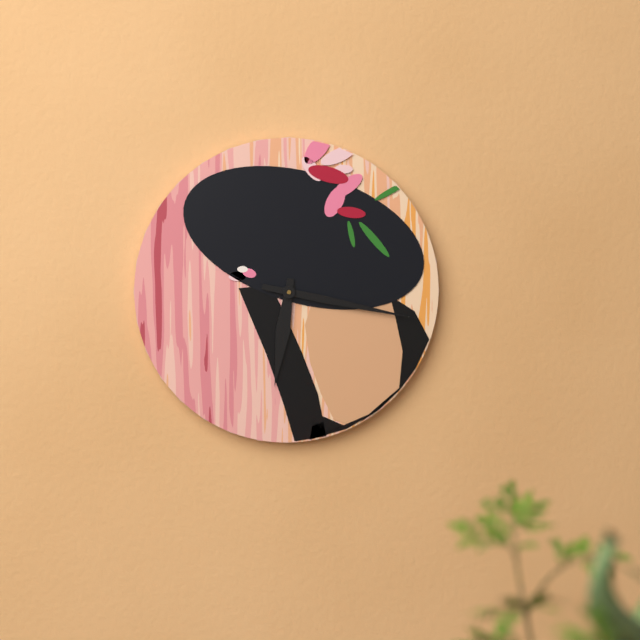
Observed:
{"hour": 6, "minute": 17}
